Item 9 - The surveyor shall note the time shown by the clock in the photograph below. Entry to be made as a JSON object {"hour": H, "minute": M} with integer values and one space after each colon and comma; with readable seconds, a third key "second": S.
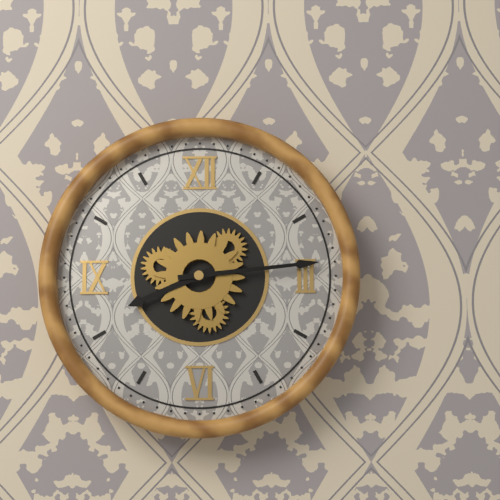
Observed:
{"hour": 8, "minute": 14}
